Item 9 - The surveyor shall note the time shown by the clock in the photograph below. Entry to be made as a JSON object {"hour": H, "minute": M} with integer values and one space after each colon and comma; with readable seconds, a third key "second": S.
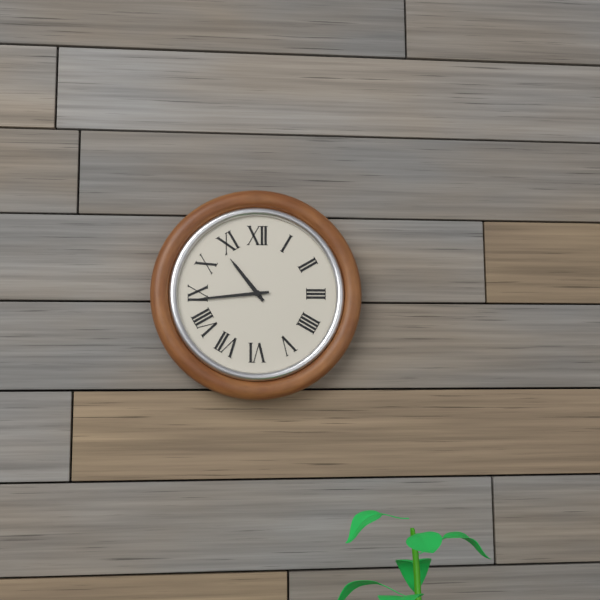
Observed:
{"hour": 10, "minute": 44}
